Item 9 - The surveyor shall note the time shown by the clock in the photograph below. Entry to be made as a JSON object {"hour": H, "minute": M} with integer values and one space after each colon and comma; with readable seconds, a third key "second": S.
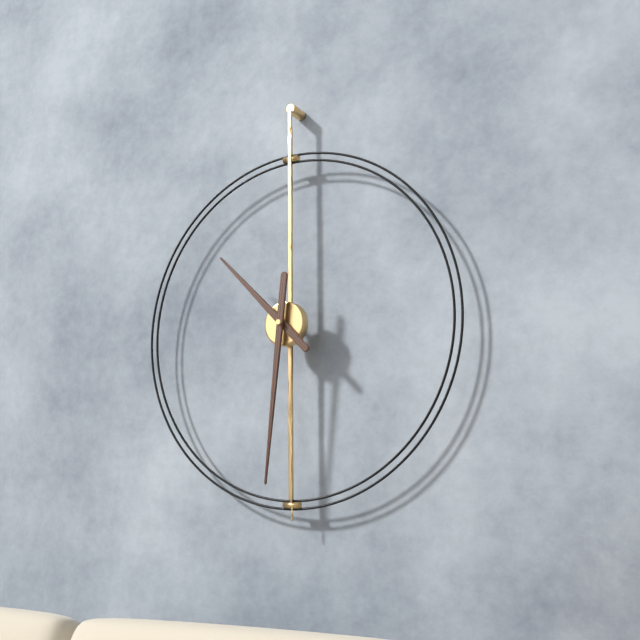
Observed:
{"hour": 10, "minute": 31}
